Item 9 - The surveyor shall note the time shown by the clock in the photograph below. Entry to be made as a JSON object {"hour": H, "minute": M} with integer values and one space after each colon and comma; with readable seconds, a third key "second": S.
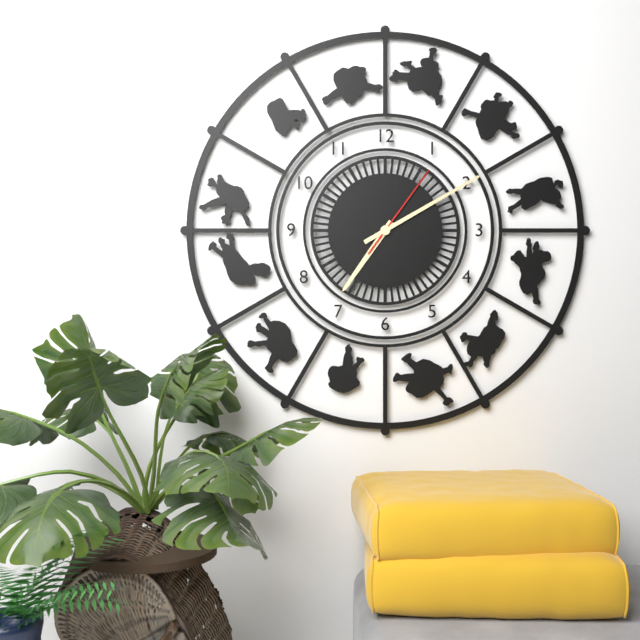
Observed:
{"hour": 7, "minute": 10, "second": 6}
